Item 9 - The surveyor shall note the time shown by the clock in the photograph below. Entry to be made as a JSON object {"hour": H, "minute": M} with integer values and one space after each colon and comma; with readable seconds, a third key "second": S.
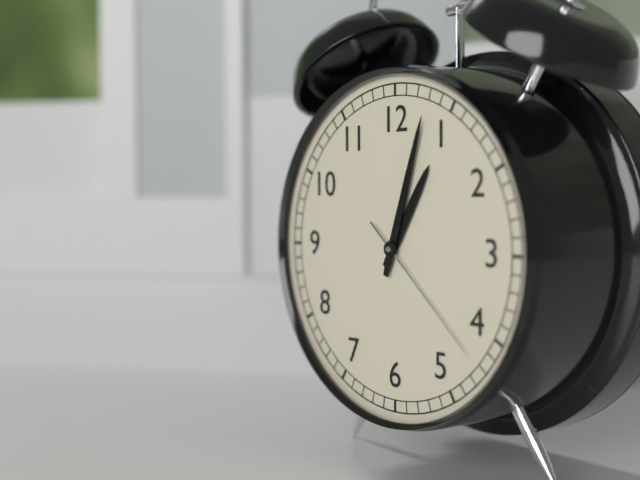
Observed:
{"hour": 1, "minute": 3, "second": 22}
